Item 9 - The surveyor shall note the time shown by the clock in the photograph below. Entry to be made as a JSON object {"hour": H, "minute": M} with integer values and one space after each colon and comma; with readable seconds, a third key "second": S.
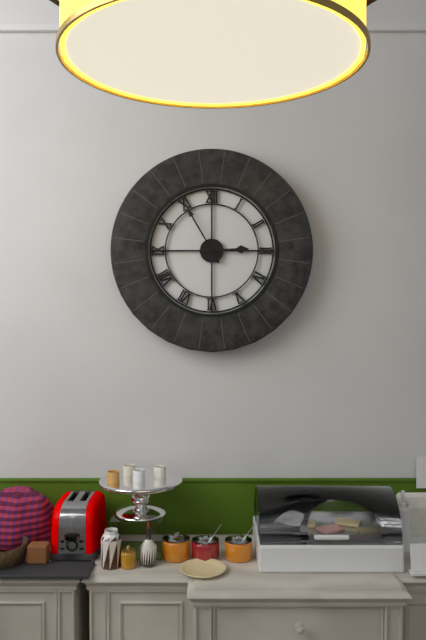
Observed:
{"hour": 2, "minute": 55}
